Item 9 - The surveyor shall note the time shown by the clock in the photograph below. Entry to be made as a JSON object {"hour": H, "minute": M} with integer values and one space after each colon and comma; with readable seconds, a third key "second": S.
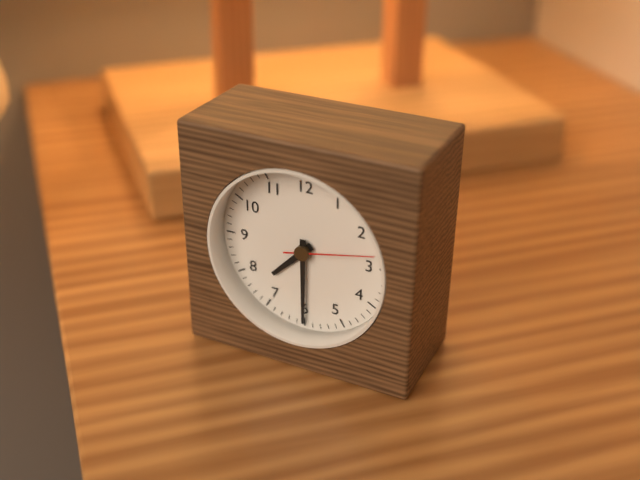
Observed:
{"hour": 7, "minute": 30, "second": 13}
